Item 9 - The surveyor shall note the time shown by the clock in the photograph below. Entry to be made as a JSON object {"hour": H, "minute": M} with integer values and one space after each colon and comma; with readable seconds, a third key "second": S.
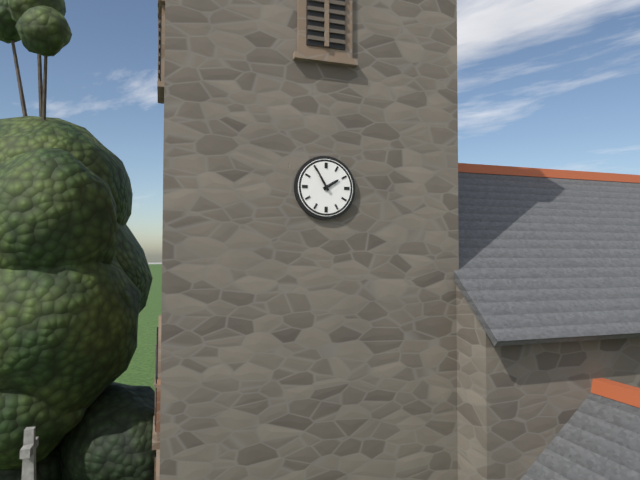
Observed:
{"hour": 1, "minute": 55}
